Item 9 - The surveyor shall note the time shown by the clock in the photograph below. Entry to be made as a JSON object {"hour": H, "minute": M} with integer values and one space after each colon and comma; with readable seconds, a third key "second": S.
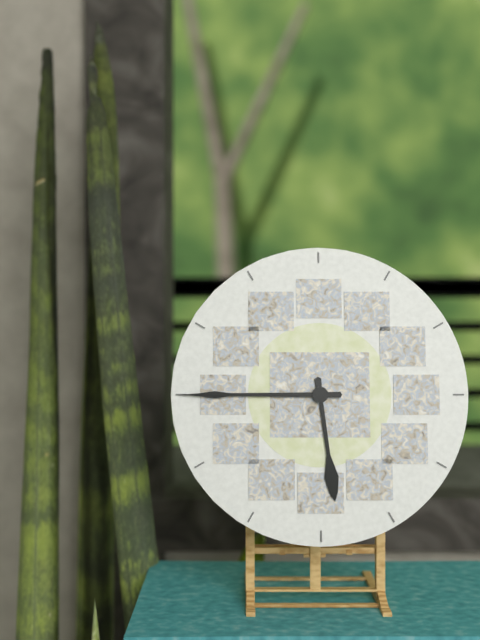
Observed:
{"hour": 5, "minute": 45}
